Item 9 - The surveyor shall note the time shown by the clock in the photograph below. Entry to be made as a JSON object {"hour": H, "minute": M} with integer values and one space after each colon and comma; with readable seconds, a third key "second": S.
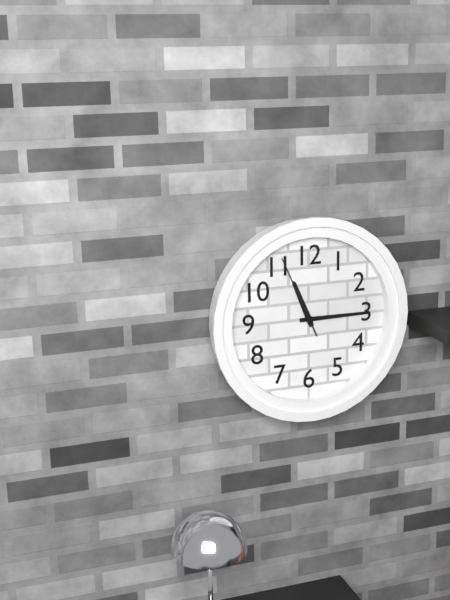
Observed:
{"hour": 11, "minute": 15, "second": 56}
